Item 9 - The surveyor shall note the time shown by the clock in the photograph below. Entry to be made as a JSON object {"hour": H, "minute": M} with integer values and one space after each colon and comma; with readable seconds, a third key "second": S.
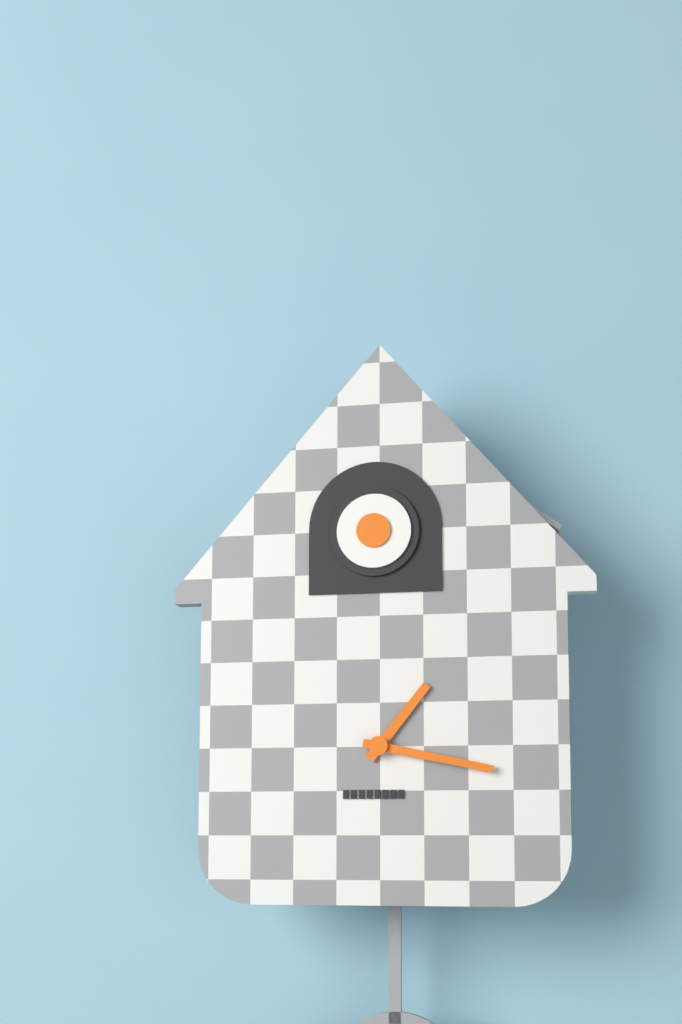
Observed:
{"hour": 1, "minute": 17}
